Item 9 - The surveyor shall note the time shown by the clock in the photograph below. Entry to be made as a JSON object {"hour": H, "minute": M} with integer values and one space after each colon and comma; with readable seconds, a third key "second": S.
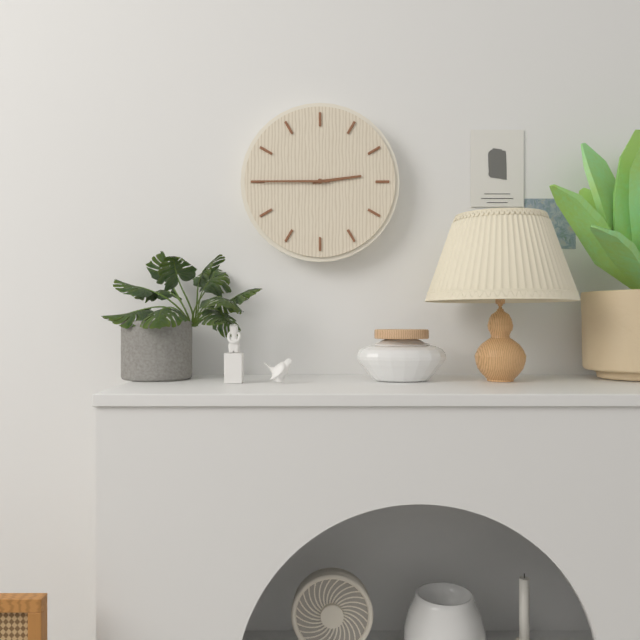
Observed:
{"hour": 2, "minute": 45}
